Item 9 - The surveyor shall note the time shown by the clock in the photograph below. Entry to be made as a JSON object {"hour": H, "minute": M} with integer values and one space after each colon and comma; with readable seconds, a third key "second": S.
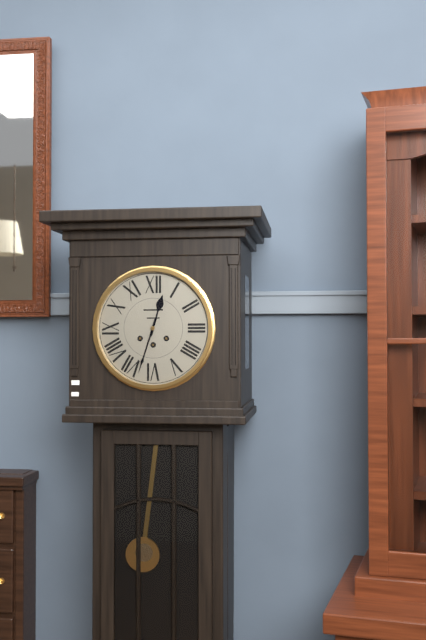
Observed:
{"hour": 12, "minute": 33}
